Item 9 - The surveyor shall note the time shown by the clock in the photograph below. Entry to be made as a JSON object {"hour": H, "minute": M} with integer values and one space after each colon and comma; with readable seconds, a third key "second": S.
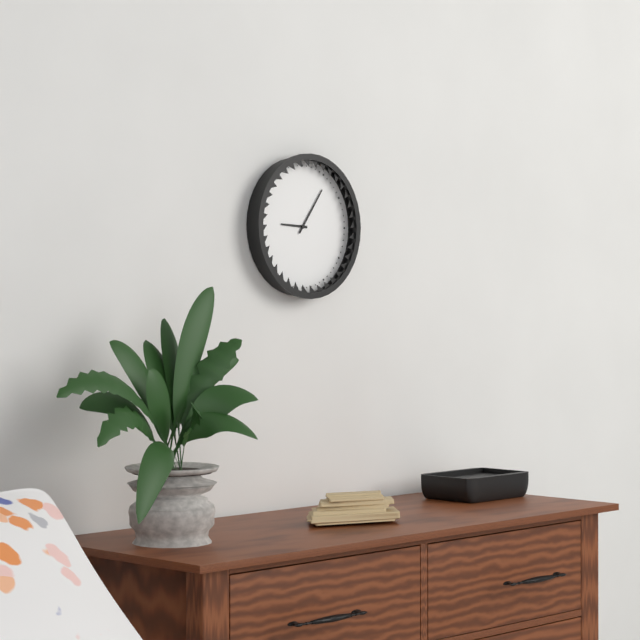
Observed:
{"hour": 9, "minute": 6}
